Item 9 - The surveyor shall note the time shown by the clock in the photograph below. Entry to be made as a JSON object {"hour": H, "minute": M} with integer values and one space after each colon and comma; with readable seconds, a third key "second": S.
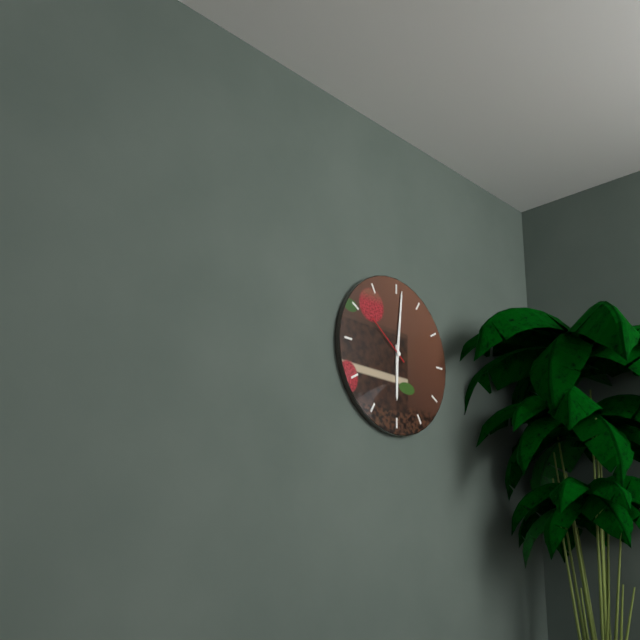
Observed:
{"hour": 6, "minute": 1, "second": 51}
